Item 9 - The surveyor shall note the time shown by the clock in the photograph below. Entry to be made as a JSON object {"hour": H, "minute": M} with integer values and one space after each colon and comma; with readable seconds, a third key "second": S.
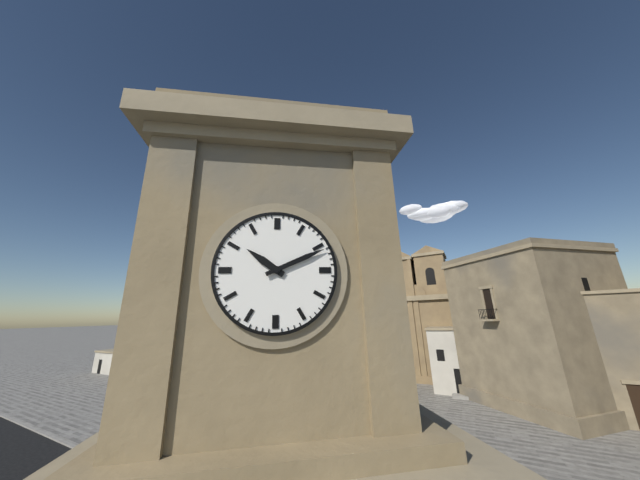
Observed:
{"hour": 10, "minute": 11}
